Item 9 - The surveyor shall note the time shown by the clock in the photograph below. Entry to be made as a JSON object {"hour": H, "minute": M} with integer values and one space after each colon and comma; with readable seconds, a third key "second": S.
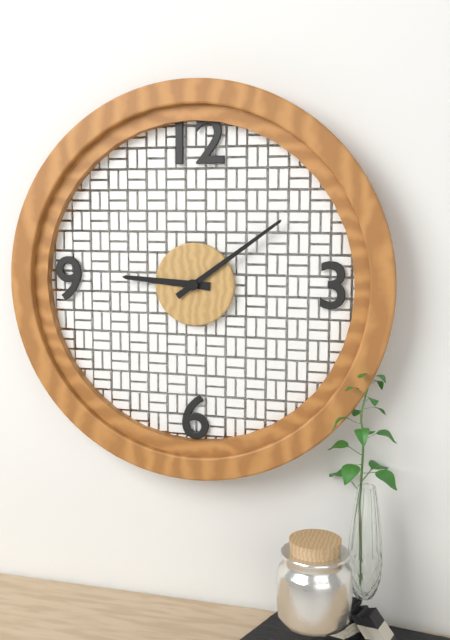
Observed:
{"hour": 9, "minute": 9}
